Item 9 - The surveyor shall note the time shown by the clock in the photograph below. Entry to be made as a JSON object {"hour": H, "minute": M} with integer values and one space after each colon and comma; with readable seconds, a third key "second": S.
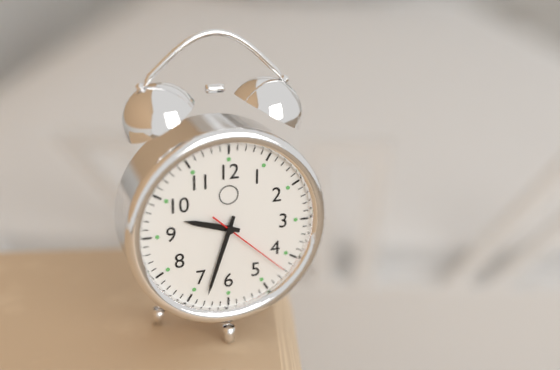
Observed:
{"hour": 9, "minute": 33, "second": 22}
